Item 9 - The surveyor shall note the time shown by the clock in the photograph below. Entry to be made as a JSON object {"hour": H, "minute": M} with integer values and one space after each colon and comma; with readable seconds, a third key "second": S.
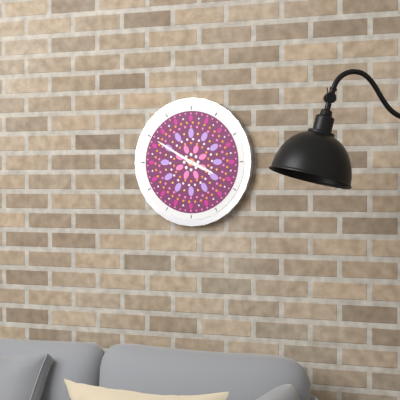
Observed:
{"hour": 3, "minute": 50}
